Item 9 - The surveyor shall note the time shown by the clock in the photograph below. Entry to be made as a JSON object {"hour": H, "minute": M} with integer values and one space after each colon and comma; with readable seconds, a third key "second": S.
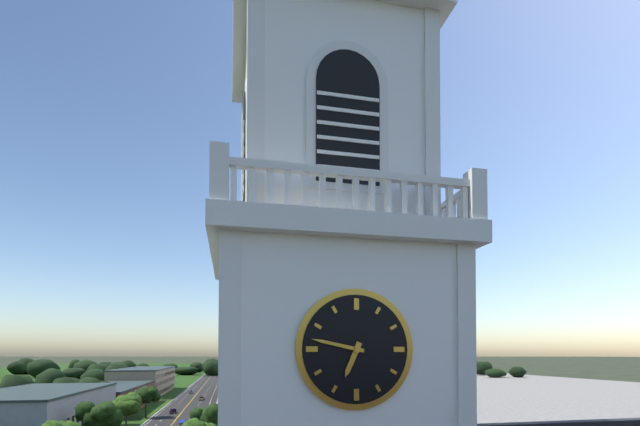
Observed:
{"hour": 6, "minute": 47}
